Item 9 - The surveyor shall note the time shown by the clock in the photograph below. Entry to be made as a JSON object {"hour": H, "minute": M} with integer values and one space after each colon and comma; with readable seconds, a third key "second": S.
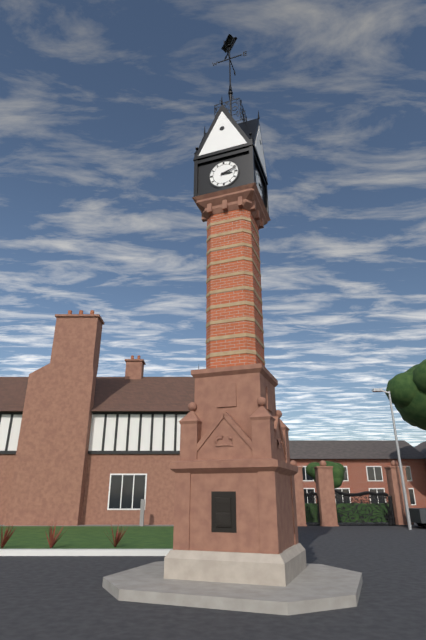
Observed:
{"hour": 3, "minute": 12}
